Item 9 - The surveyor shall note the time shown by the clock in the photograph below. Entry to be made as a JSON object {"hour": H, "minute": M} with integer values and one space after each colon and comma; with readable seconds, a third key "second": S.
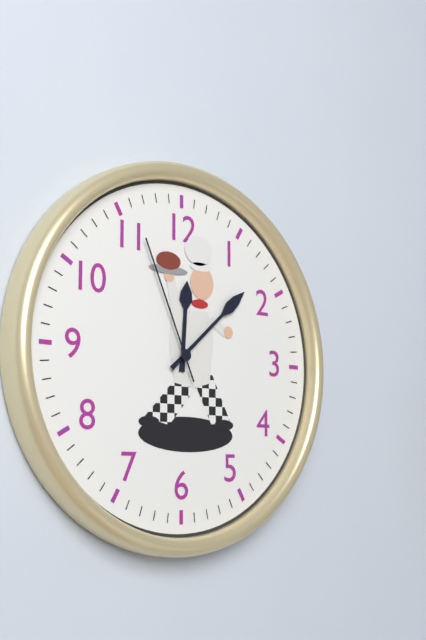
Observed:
{"hour": 12, "minute": 8, "second": 56}
